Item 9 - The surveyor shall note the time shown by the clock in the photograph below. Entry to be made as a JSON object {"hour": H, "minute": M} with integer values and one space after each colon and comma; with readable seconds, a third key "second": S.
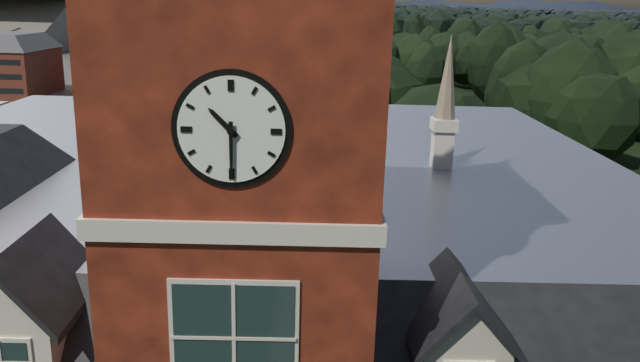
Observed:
{"hour": 10, "minute": 30}
